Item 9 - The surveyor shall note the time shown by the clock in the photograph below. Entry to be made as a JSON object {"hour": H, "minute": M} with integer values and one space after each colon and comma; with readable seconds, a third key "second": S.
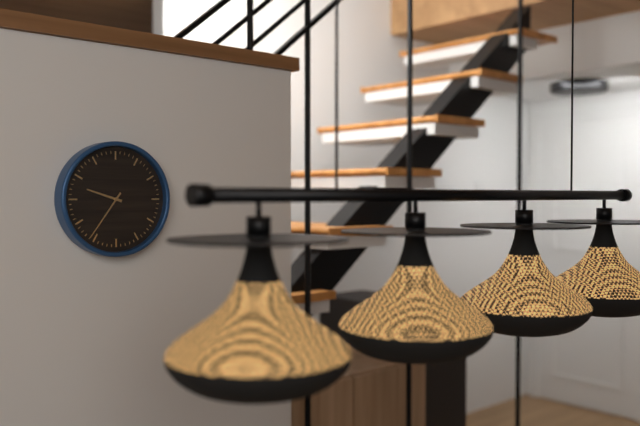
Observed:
{"hour": 9, "minute": 36}
